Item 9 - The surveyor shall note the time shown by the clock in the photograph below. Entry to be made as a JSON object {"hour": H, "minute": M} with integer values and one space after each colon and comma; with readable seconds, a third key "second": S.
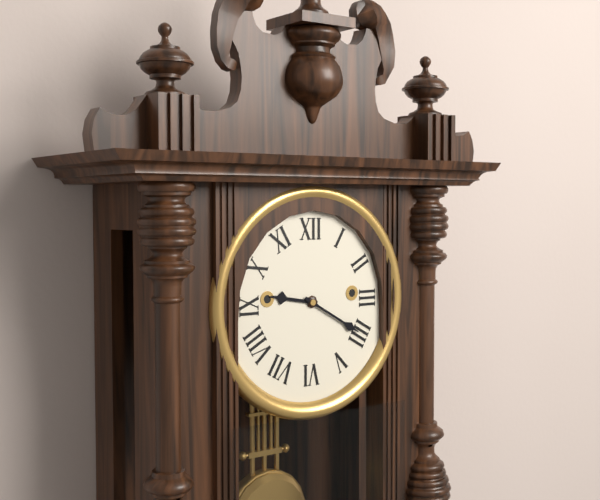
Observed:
{"hour": 9, "minute": 20}
